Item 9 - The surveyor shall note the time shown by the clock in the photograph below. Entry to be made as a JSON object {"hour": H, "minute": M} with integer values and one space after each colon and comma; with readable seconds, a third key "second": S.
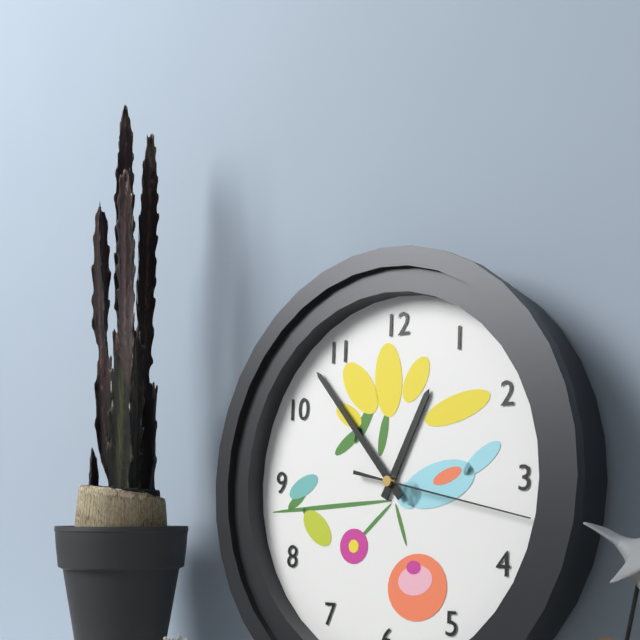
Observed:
{"hour": 12, "minute": 53, "second": 17}
